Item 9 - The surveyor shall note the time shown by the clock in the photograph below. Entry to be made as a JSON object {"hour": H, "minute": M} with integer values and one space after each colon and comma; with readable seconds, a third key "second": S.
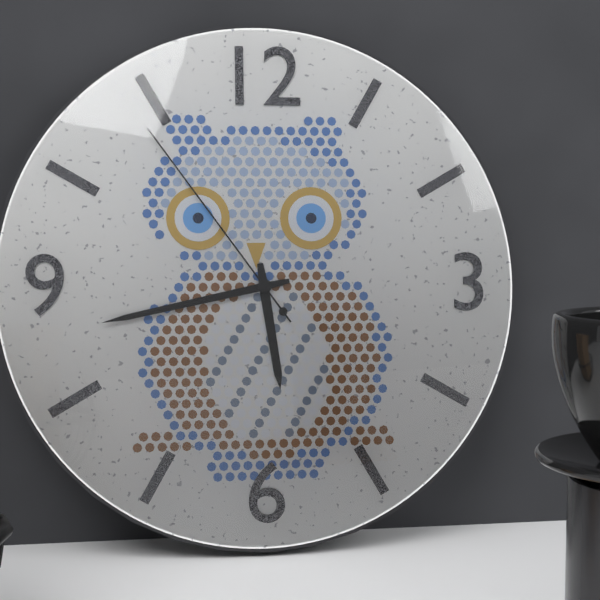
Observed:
{"hour": 5, "minute": 43, "second": 54}
